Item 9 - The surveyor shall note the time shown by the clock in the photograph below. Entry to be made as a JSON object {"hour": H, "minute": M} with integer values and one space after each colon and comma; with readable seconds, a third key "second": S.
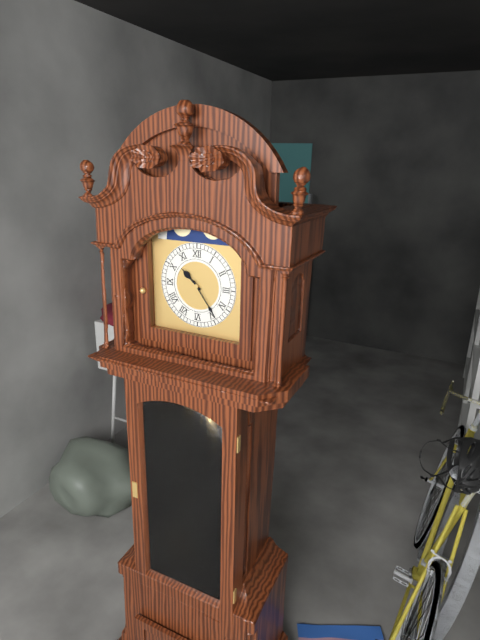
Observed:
{"hour": 10, "minute": 24}
